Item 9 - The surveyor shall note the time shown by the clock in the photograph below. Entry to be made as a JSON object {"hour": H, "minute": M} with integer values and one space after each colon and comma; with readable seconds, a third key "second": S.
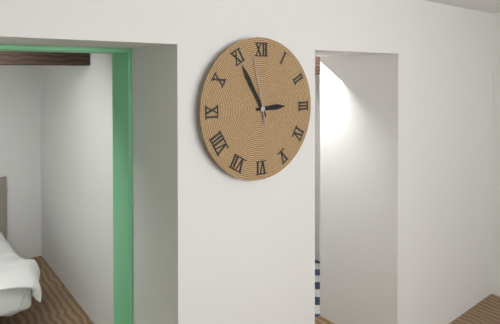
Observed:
{"hour": 2, "minute": 55, "second": 58}
